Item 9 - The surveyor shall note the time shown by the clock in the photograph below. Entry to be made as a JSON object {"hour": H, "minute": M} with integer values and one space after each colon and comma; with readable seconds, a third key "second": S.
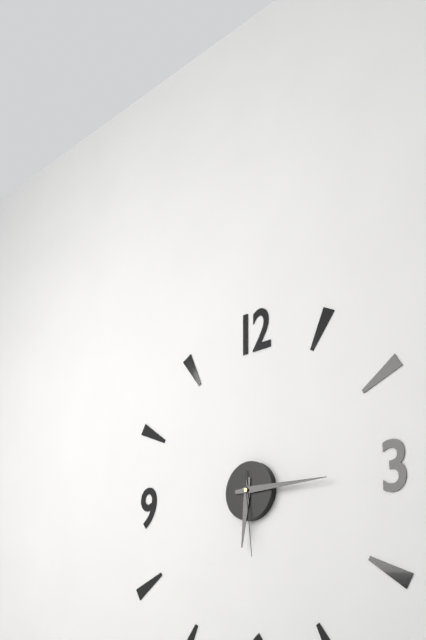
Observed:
{"hour": 6, "minute": 15, "second": 29}
